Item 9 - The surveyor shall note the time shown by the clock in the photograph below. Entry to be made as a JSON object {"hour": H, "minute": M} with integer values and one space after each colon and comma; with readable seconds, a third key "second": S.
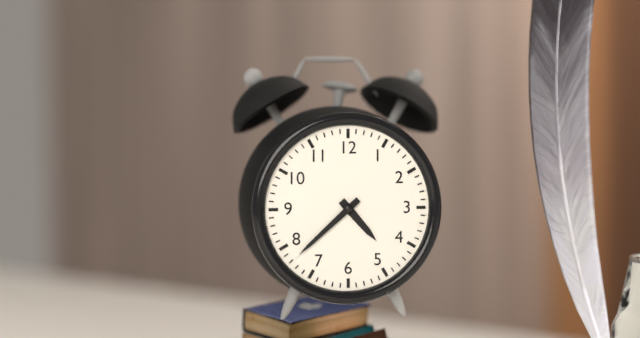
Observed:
{"hour": 4, "minute": 38}
